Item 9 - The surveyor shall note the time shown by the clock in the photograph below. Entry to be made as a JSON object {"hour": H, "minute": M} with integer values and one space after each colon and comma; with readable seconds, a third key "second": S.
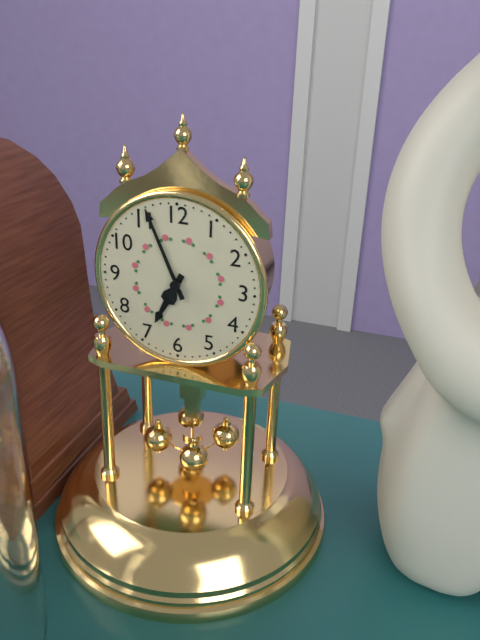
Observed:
{"hour": 6, "minute": 56}
